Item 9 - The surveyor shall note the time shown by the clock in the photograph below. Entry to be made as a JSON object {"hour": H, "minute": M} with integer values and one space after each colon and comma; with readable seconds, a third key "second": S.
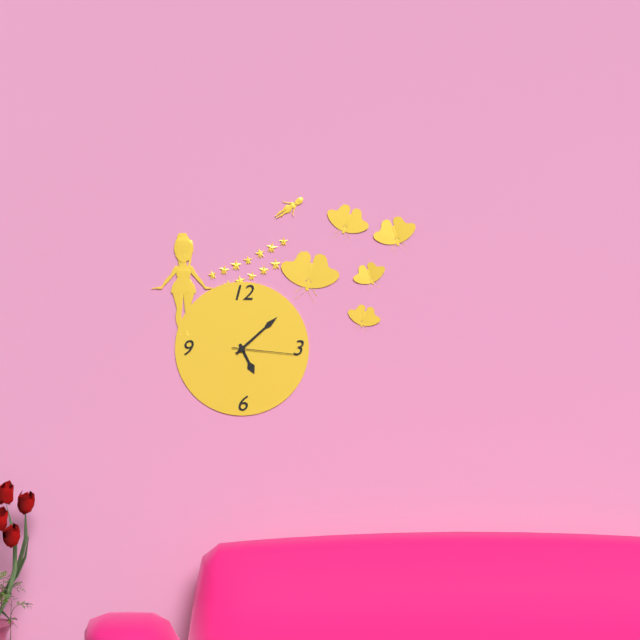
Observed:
{"hour": 5, "minute": 8, "second": 16}
